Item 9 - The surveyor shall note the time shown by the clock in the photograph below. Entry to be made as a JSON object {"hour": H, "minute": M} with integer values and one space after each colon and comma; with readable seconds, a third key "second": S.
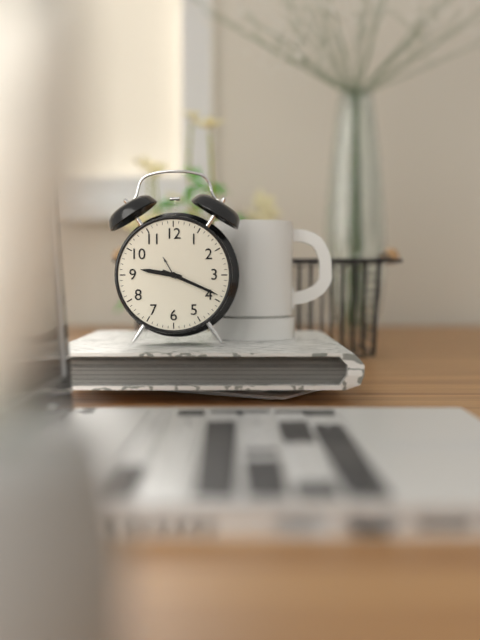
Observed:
{"hour": 9, "minute": 19}
